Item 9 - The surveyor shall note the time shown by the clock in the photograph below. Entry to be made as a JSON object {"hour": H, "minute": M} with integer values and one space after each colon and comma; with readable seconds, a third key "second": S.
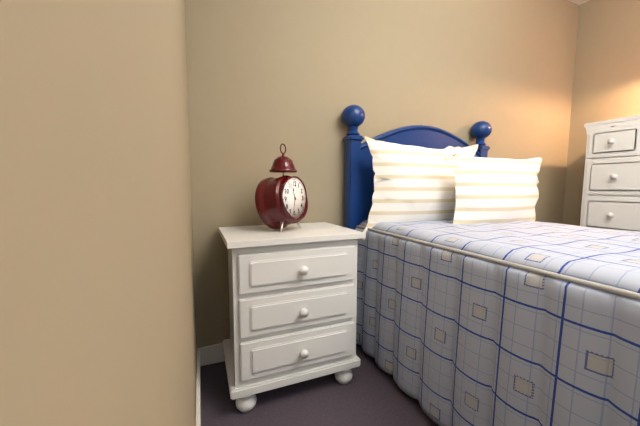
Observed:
{"hour": 11, "minute": 32}
